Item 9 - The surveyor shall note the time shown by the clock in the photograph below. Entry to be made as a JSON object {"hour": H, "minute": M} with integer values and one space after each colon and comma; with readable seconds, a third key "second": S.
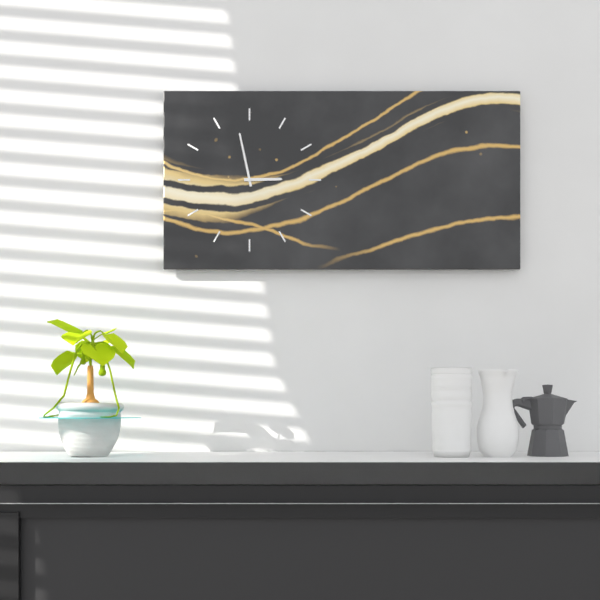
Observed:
{"hour": 2, "minute": 58}
